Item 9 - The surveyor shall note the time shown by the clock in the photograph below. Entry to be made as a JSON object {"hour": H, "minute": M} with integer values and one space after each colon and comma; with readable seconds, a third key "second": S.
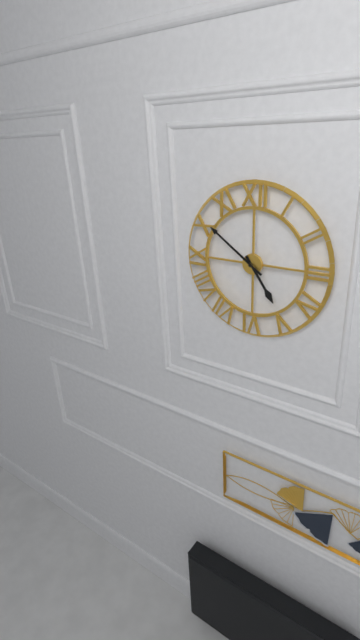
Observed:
{"hour": 4, "minute": 51}
